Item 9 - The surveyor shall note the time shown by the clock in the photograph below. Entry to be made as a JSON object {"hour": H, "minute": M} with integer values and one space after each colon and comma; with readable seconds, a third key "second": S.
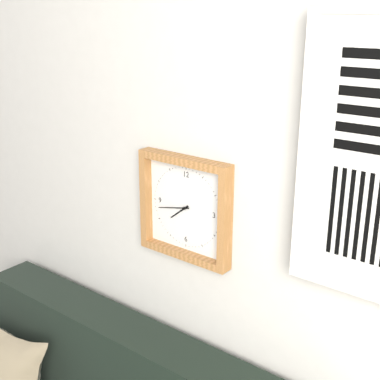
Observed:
{"hour": 7, "minute": 43}
